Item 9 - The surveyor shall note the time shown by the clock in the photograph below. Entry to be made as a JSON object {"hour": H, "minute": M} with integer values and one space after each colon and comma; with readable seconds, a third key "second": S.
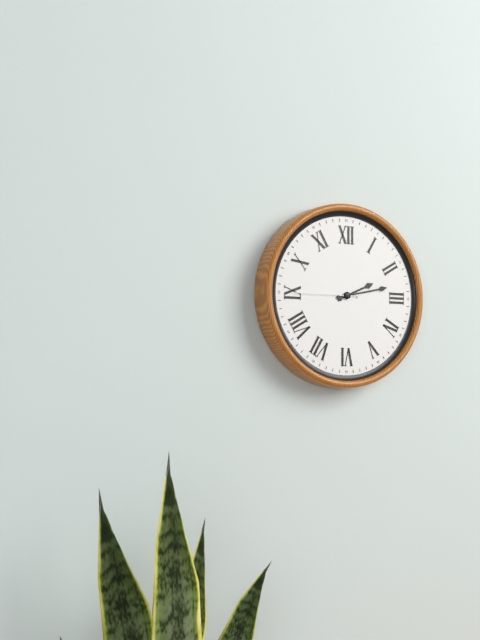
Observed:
{"hour": 2, "minute": 13, "second": 45}
